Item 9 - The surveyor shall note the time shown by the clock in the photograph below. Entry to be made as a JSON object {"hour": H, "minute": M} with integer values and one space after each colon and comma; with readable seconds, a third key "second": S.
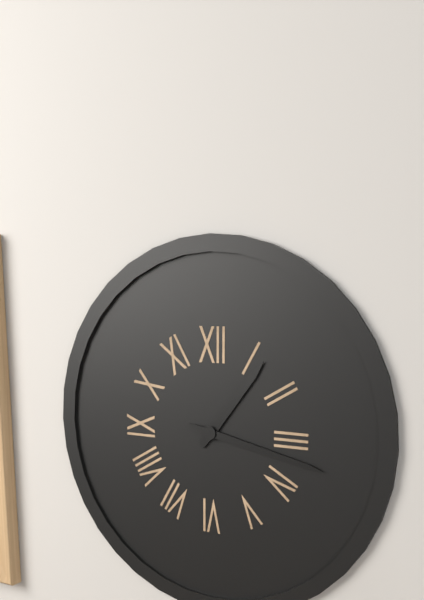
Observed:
{"hour": 1, "minute": 17}
